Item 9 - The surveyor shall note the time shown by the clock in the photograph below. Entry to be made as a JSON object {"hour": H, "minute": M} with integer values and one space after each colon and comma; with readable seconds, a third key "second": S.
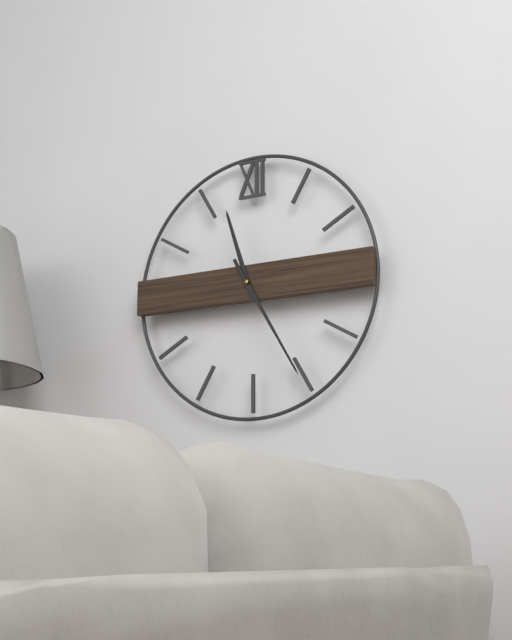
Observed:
{"hour": 11, "minute": 25}
